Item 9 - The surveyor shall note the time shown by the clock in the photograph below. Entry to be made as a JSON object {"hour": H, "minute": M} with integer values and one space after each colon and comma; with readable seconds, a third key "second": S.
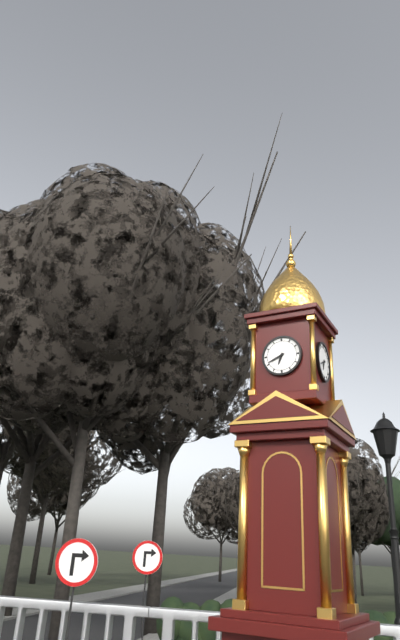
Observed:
{"hour": 6, "minute": 41}
